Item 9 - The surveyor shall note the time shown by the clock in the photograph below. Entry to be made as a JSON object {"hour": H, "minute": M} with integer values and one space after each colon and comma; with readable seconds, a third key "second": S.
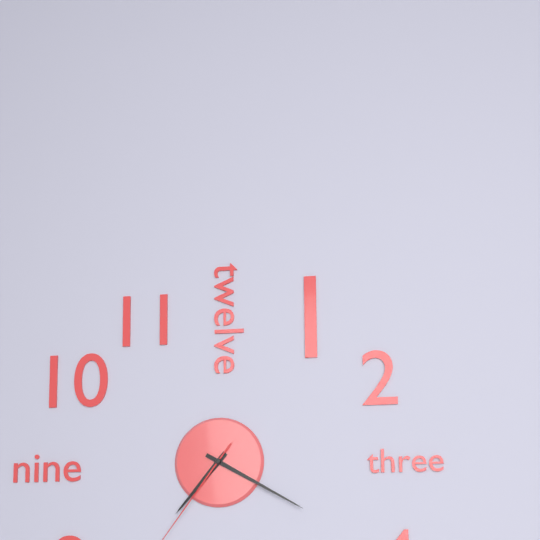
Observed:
{"hour": 7, "minute": 20}
